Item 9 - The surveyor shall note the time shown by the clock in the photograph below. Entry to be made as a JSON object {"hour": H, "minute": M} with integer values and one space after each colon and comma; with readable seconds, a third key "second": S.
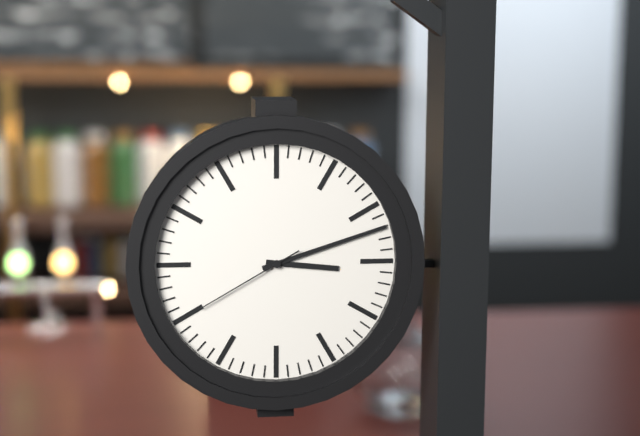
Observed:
{"hour": 3, "minute": 12, "second": 40}
